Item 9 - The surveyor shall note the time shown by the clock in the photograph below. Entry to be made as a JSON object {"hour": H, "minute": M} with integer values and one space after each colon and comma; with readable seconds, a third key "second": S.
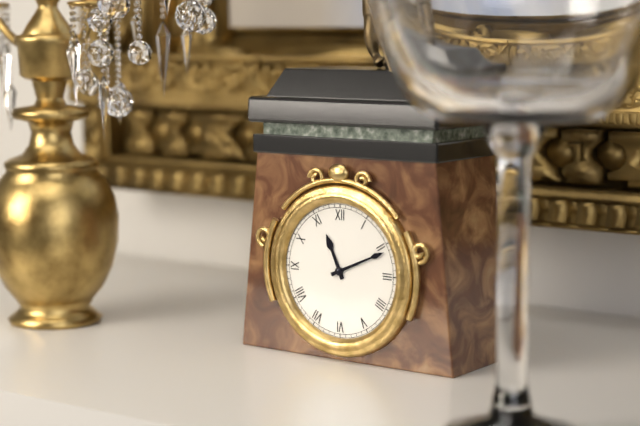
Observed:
{"hour": 11, "minute": 11}
